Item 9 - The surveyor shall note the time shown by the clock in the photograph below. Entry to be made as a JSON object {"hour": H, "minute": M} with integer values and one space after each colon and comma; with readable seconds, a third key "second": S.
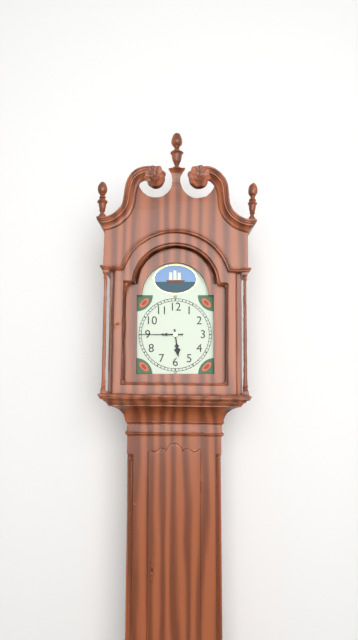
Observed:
{"hour": 5, "minute": 45}
